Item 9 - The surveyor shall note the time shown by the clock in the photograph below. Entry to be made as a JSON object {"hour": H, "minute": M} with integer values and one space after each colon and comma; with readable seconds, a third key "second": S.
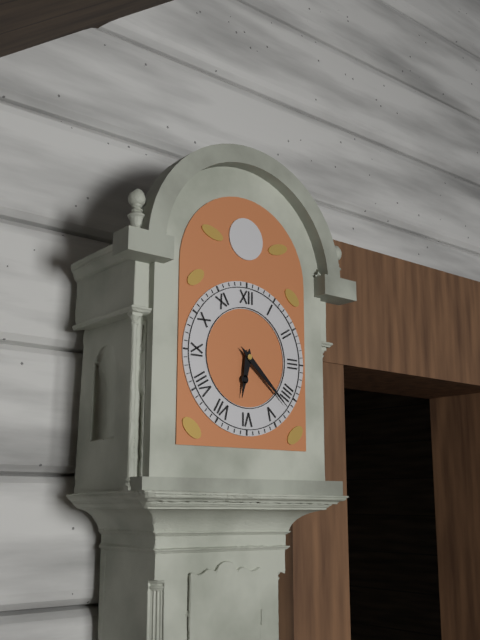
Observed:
{"hour": 6, "minute": 22}
